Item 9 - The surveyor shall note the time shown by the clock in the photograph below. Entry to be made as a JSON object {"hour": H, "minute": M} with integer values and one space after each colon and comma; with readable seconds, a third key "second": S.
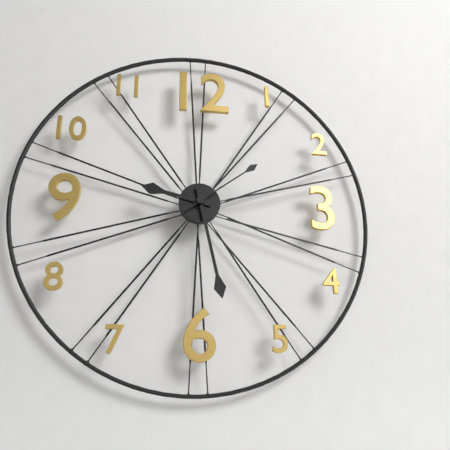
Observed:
{"hour": 9, "minute": 28, "second": 9}
